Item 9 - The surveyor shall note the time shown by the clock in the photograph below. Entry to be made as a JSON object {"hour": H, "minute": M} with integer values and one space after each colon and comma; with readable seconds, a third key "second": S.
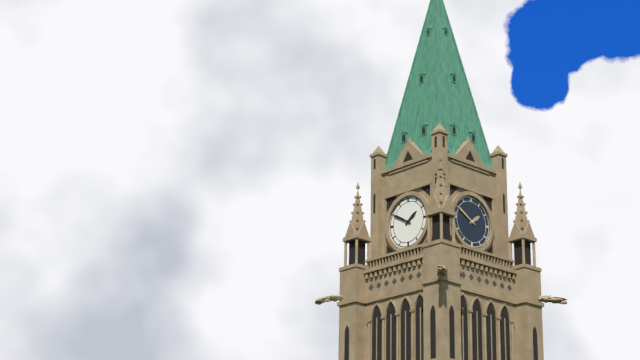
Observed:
{"hour": 1, "minute": 50}
